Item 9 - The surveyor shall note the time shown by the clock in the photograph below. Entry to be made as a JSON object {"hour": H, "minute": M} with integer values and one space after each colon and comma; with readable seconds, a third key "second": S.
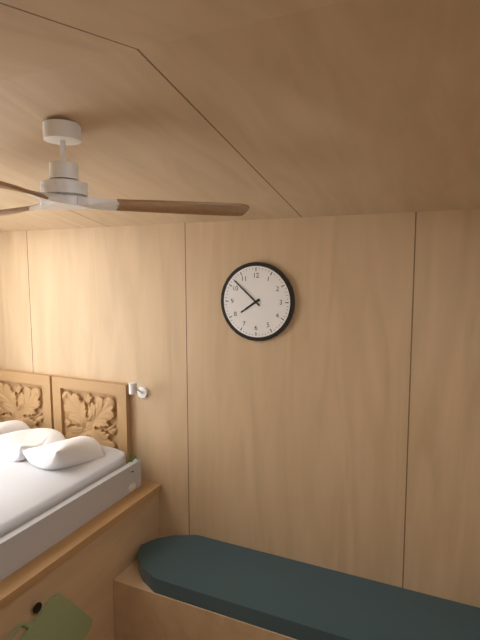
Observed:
{"hour": 7, "minute": 52}
